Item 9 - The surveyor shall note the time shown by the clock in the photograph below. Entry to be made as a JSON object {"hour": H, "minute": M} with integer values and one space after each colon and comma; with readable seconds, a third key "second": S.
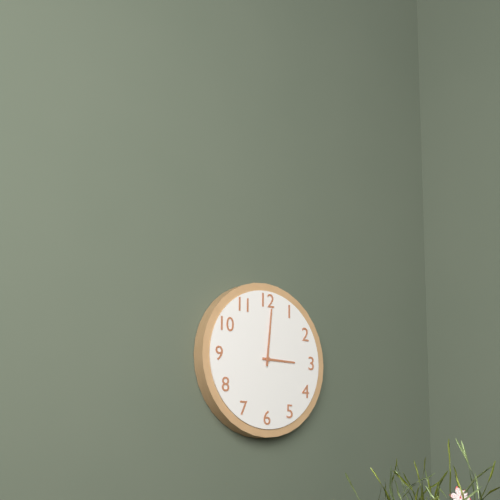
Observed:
{"hour": 3, "minute": 1}
